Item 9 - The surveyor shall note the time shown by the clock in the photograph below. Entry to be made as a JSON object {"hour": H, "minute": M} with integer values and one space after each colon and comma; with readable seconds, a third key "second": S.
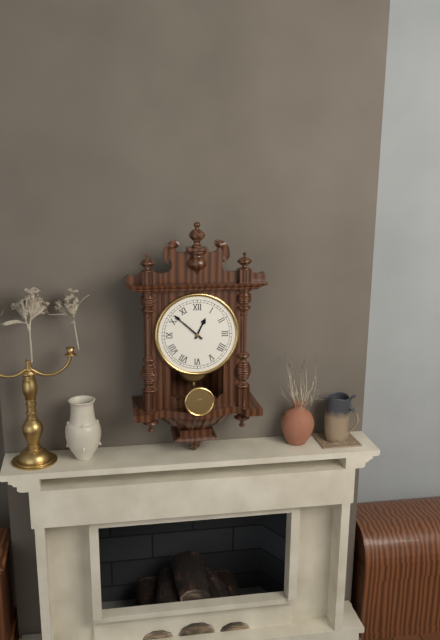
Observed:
{"hour": 12, "minute": 52}
